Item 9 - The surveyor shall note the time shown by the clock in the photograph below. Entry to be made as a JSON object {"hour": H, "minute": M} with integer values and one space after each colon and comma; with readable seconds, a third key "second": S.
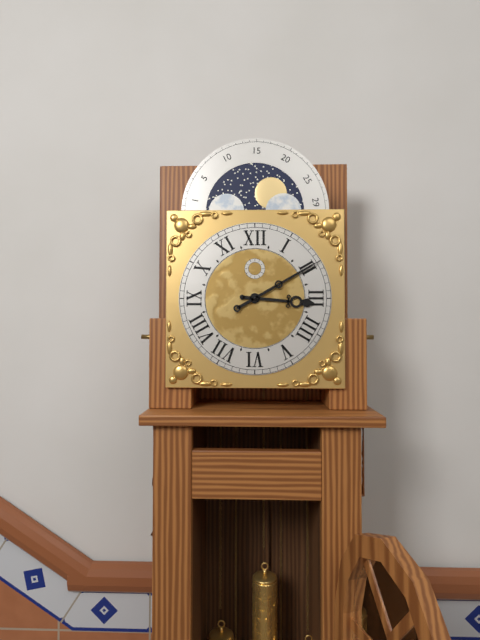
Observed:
{"hour": 3, "minute": 10}
